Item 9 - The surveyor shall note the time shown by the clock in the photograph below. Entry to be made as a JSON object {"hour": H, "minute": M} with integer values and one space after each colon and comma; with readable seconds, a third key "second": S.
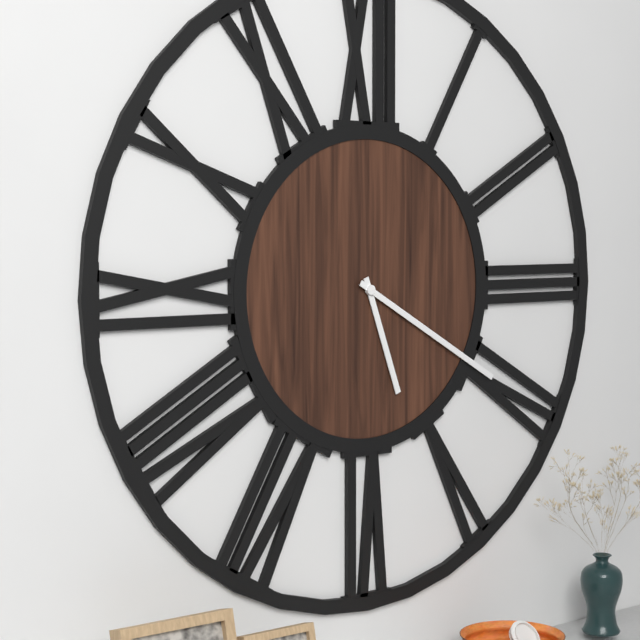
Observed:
{"hour": 5, "minute": 20}
